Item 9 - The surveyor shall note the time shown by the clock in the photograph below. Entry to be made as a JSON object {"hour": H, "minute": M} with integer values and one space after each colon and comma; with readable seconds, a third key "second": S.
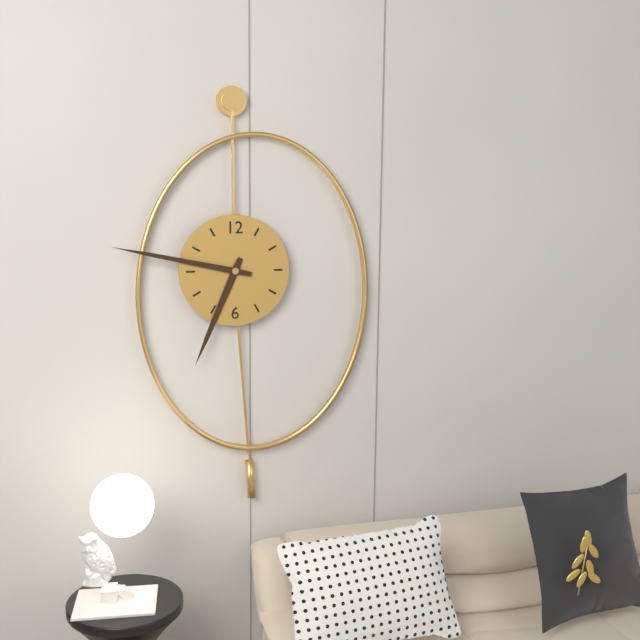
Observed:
{"hour": 6, "minute": 47}
